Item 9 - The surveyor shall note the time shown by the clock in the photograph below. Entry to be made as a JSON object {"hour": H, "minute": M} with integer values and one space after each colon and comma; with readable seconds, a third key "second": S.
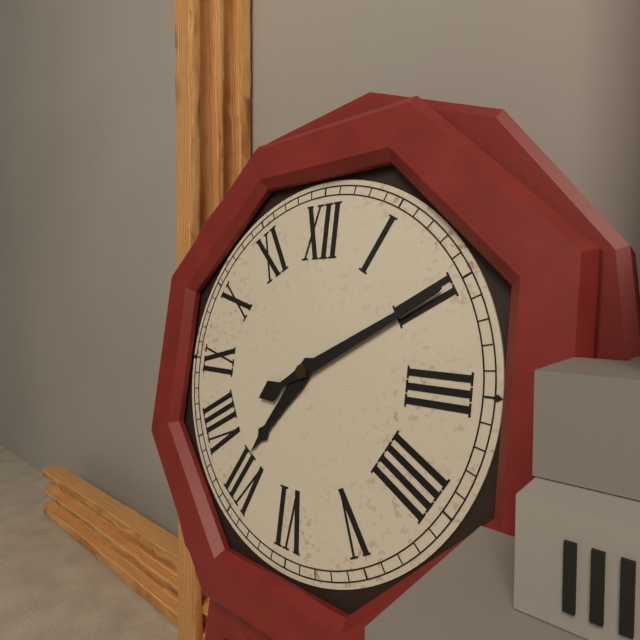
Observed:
{"hour": 7, "minute": 10}
